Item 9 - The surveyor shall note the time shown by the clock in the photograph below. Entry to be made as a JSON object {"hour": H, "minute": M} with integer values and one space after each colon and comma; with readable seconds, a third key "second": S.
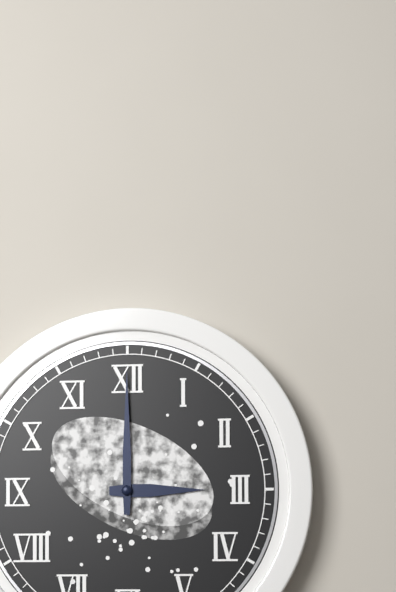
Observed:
{"hour": 3, "minute": 0}
